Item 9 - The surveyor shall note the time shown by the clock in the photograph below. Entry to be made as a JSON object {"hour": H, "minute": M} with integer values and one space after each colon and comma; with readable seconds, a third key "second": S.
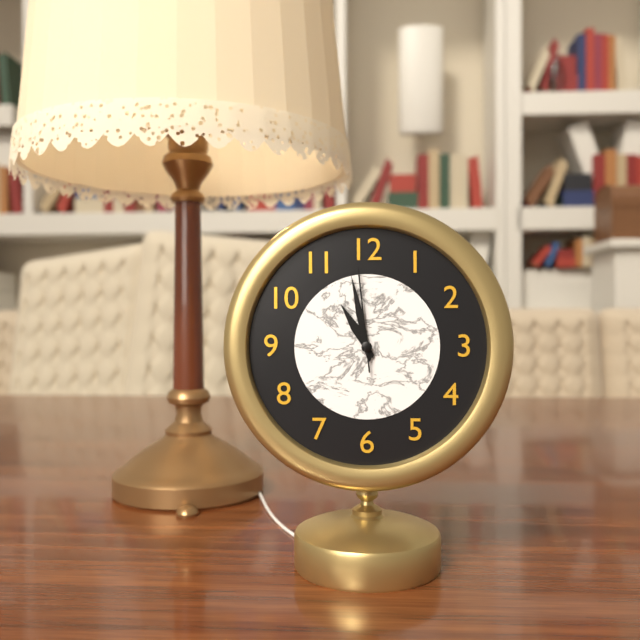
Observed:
{"hour": 10, "minute": 58, "second": 59}
